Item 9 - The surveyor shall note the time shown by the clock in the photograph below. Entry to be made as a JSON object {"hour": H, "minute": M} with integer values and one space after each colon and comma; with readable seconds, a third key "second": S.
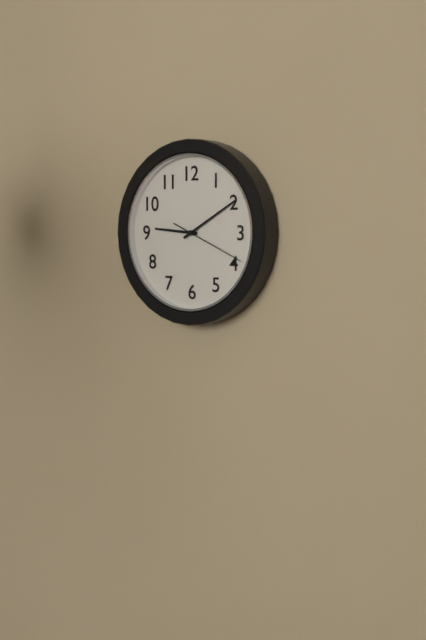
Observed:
{"hour": 9, "minute": 10, "second": 19}
